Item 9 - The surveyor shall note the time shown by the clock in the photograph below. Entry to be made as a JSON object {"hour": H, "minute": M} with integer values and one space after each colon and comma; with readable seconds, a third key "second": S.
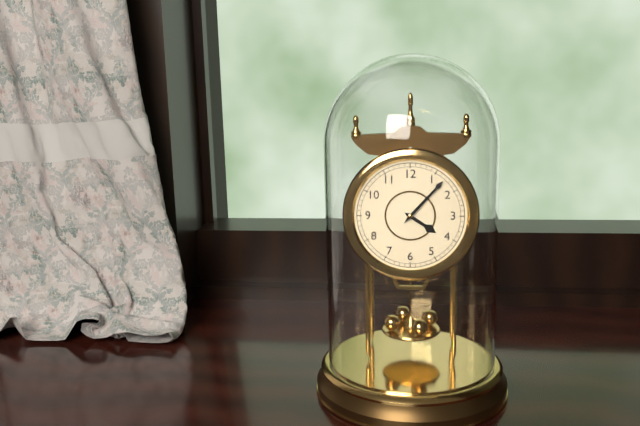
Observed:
{"hour": 4, "minute": 7}
